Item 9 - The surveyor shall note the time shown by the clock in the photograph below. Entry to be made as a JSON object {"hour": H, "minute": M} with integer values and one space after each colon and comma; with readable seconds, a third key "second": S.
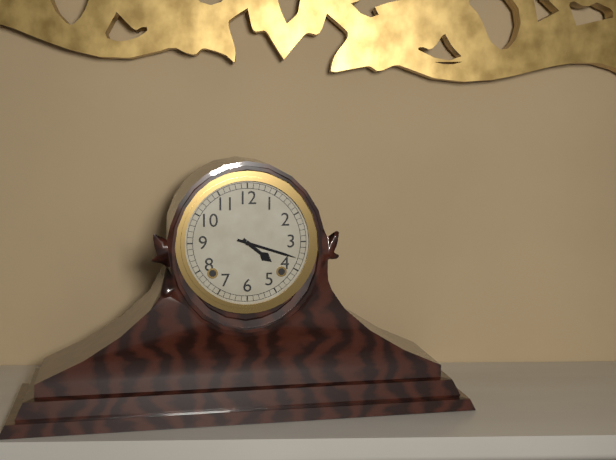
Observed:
{"hour": 4, "minute": 18}
